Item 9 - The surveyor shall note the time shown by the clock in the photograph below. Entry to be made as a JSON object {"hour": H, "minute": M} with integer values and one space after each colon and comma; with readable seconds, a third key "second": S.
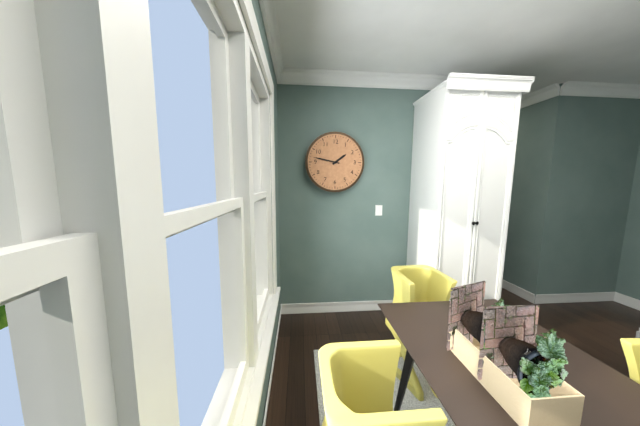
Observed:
{"hour": 1, "minute": 47}
